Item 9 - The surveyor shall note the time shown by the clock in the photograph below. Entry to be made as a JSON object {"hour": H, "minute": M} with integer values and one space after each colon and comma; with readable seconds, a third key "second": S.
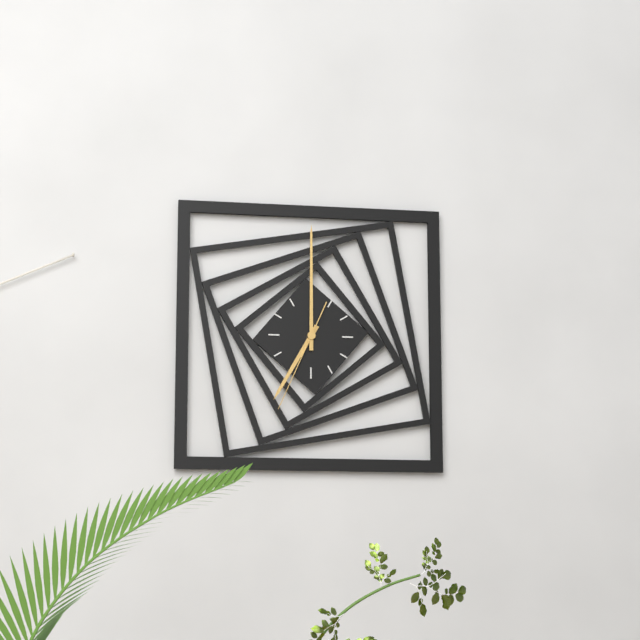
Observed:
{"hour": 7, "minute": 0, "second": 34}
